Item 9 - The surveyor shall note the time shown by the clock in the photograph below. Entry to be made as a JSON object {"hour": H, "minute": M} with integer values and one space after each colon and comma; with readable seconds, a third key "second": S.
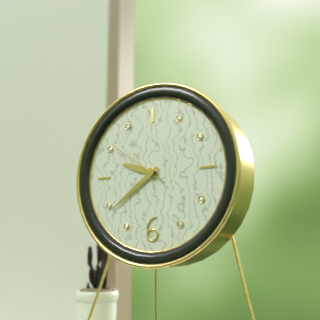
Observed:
{"hour": 9, "minute": 39, "second": 51}
